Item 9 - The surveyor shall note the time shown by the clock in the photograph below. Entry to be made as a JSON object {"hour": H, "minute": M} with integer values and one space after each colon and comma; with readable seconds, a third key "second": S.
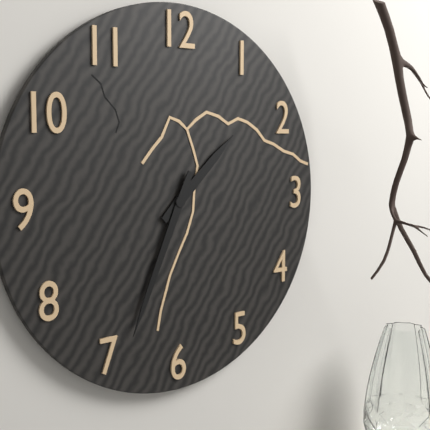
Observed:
{"hour": 1, "minute": 34}
